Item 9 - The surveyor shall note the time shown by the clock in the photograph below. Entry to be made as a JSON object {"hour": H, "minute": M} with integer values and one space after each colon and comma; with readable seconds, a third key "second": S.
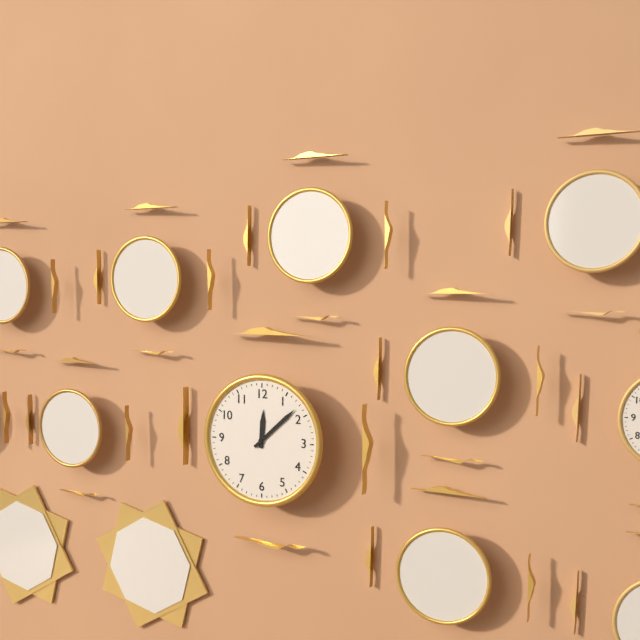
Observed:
{"hour": 12, "minute": 8}
